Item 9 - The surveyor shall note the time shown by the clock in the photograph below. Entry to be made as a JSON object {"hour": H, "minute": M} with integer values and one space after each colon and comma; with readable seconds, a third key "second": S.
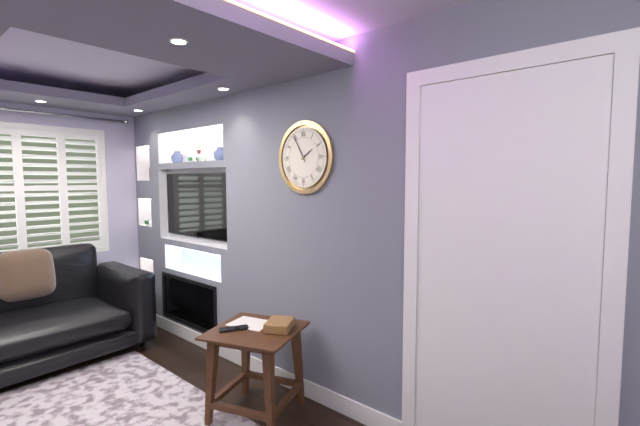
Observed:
{"hour": 1, "minute": 55}
